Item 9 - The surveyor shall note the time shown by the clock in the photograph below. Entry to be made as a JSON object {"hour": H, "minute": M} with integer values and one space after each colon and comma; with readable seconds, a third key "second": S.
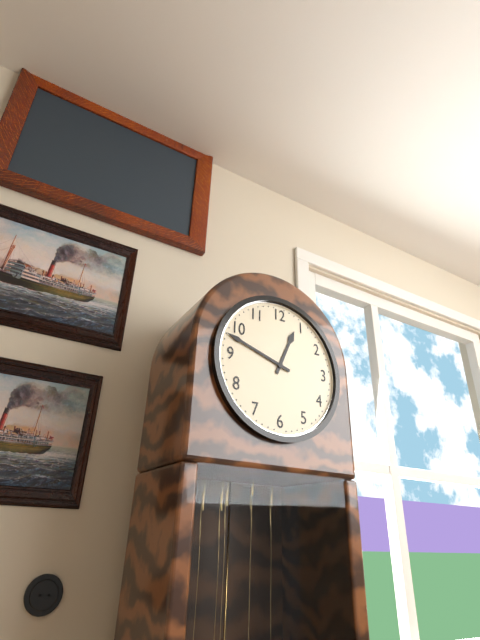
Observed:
{"hour": 12, "minute": 48}
